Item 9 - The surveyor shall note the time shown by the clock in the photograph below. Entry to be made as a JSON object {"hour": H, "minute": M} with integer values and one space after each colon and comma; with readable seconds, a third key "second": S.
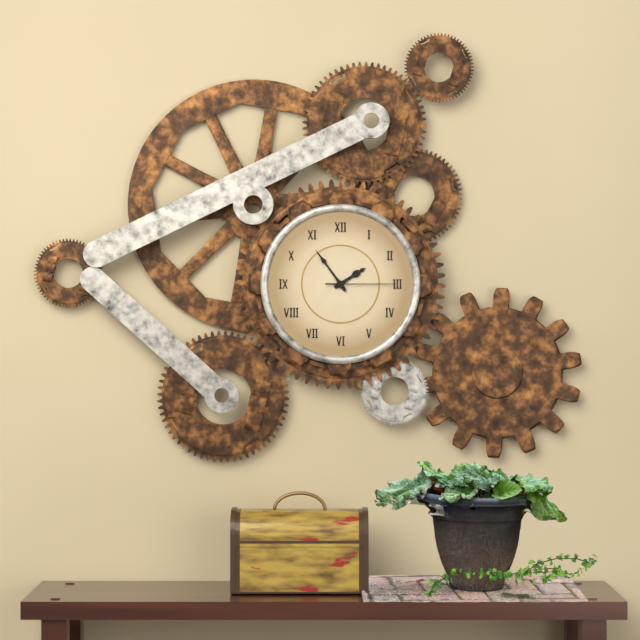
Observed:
{"hour": 1, "minute": 54, "second": 15}
